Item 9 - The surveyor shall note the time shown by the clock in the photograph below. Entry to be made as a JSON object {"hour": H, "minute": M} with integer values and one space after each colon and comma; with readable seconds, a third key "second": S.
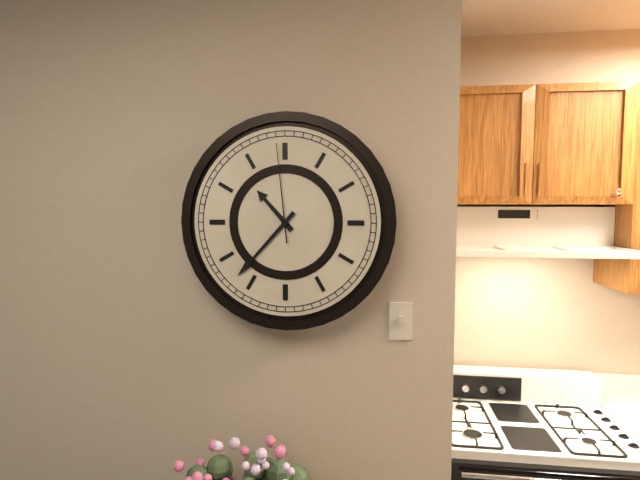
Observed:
{"hour": 10, "minute": 37, "second": 59}
